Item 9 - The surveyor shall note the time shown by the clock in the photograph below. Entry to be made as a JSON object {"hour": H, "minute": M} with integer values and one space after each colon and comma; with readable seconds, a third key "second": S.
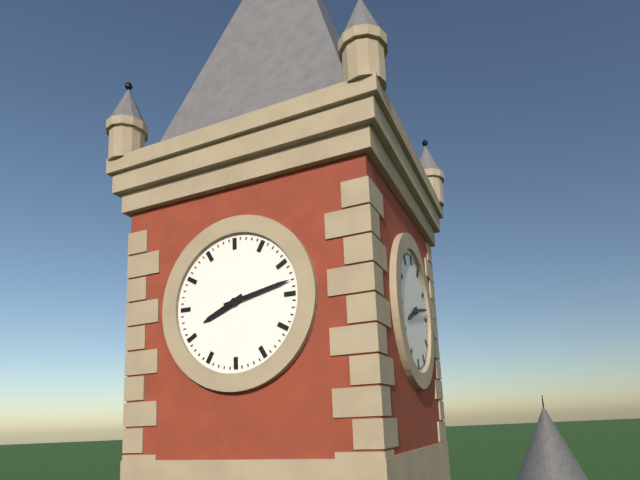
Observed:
{"hour": 8, "minute": 13}
